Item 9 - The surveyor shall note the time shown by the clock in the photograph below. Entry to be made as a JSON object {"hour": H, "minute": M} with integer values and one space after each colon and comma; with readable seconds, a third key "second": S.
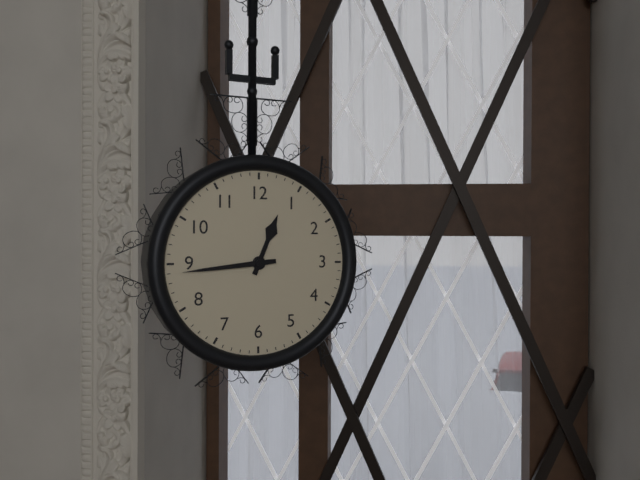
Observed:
{"hour": 12, "minute": 44}
